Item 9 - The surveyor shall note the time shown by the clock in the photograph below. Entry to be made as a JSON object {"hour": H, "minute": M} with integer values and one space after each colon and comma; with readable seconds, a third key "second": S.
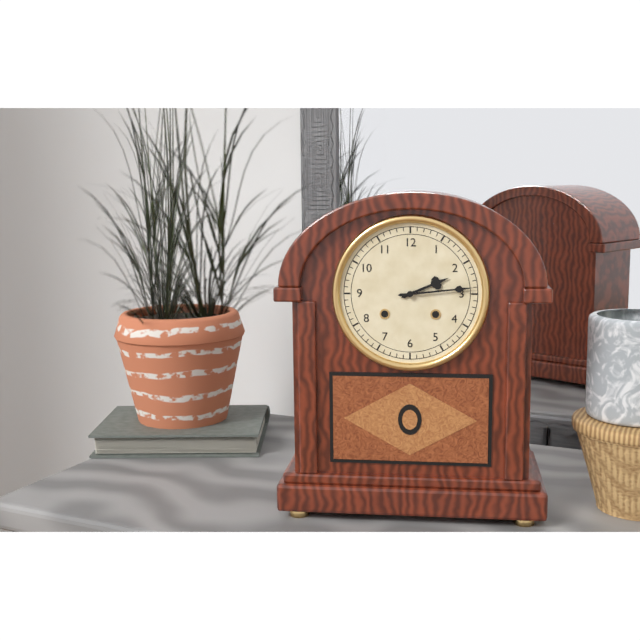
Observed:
{"hour": 2, "minute": 14}
